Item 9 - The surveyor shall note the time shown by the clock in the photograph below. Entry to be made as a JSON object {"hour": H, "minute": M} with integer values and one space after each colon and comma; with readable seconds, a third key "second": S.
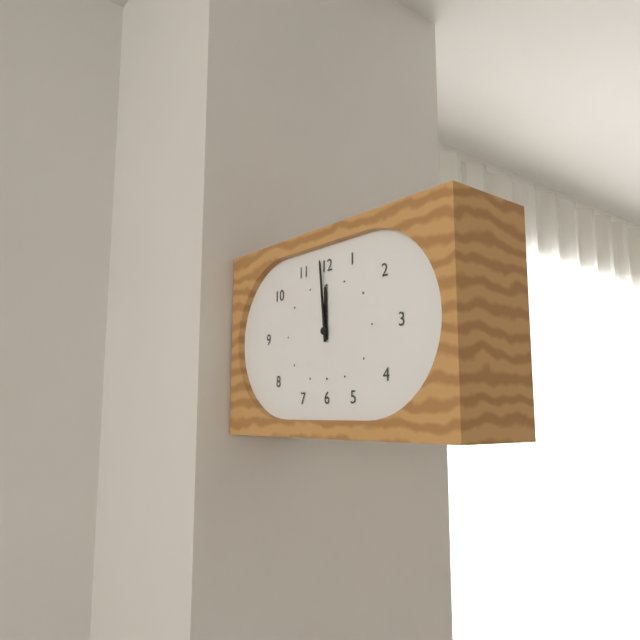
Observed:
{"hour": 11, "minute": 59}
